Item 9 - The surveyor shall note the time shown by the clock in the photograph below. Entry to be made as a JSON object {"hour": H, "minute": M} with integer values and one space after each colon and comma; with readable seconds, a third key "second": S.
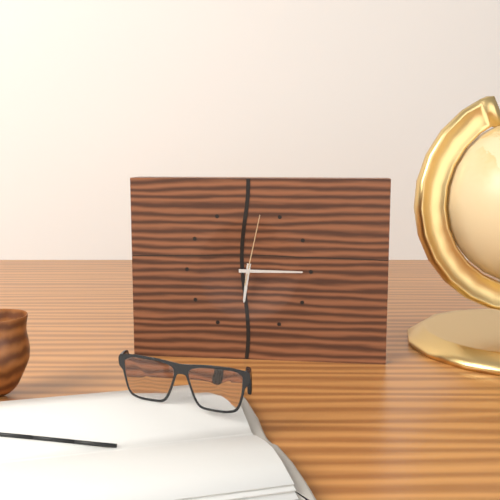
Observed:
{"hour": 6, "minute": 15, "second": 2}
